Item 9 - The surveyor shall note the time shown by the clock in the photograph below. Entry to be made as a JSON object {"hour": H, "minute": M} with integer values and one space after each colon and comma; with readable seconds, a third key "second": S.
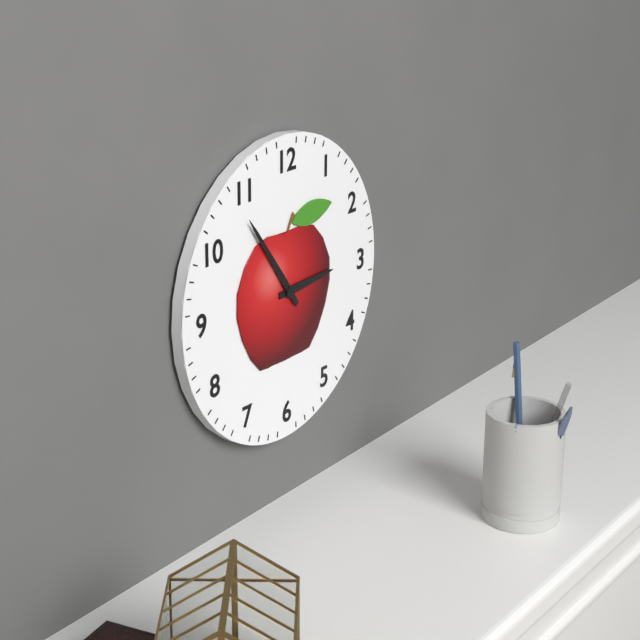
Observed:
{"hour": 2, "minute": 54}
